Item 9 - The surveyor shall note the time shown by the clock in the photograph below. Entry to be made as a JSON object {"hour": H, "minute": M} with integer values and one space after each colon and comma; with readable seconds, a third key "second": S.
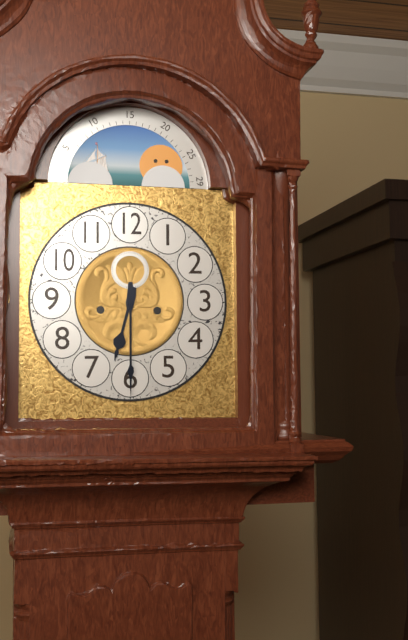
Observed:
{"hour": 6, "minute": 30}
